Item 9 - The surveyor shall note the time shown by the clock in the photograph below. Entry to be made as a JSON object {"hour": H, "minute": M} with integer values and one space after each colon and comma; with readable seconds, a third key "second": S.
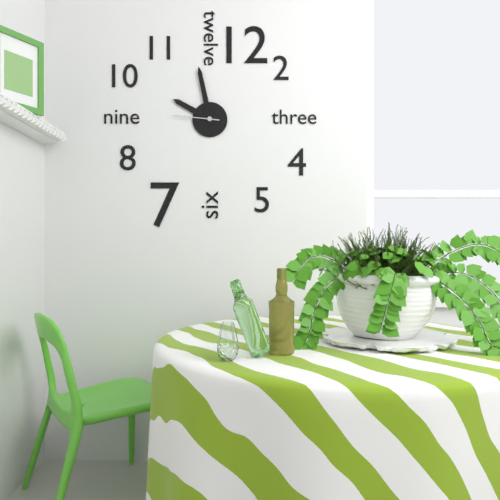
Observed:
{"hour": 9, "minute": 58}
